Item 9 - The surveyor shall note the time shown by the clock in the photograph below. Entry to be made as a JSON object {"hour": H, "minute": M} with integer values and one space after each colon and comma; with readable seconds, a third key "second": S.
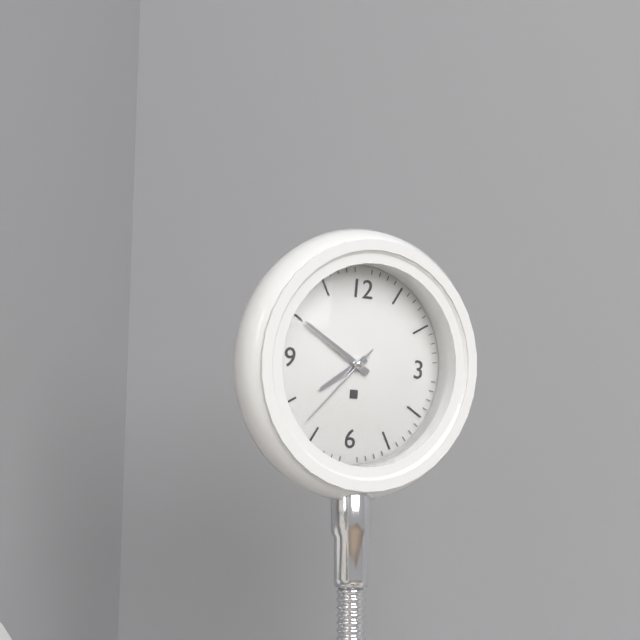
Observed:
{"hour": 7, "minute": 50, "second": 37}
